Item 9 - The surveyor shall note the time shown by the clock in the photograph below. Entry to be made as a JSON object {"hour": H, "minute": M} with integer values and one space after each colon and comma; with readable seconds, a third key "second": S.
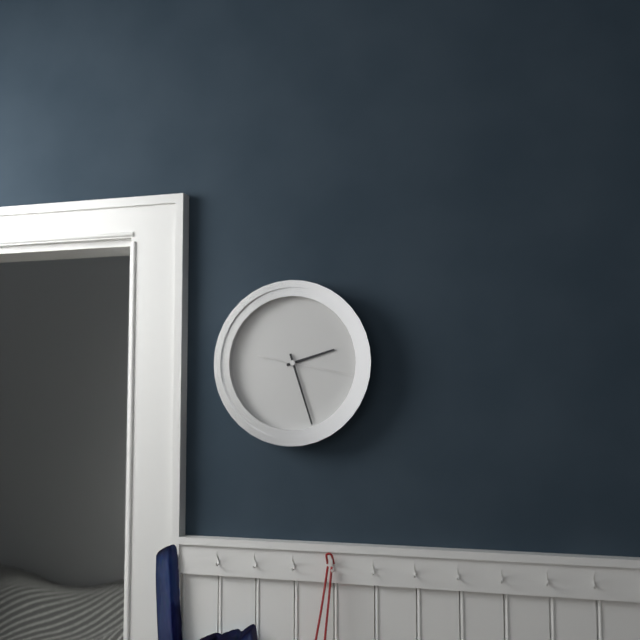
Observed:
{"hour": 2, "minute": 27, "second": 17}
